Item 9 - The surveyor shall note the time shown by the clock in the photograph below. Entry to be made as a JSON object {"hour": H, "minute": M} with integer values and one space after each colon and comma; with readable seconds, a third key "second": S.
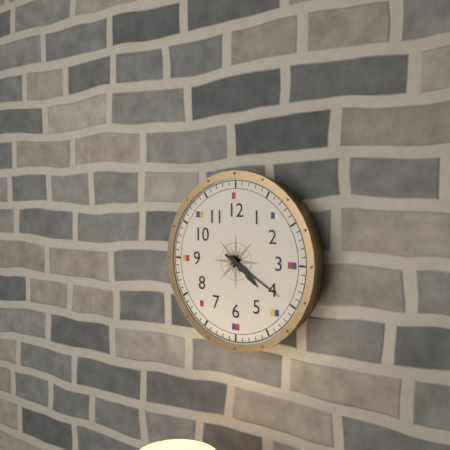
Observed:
{"hour": 4, "minute": 20}
